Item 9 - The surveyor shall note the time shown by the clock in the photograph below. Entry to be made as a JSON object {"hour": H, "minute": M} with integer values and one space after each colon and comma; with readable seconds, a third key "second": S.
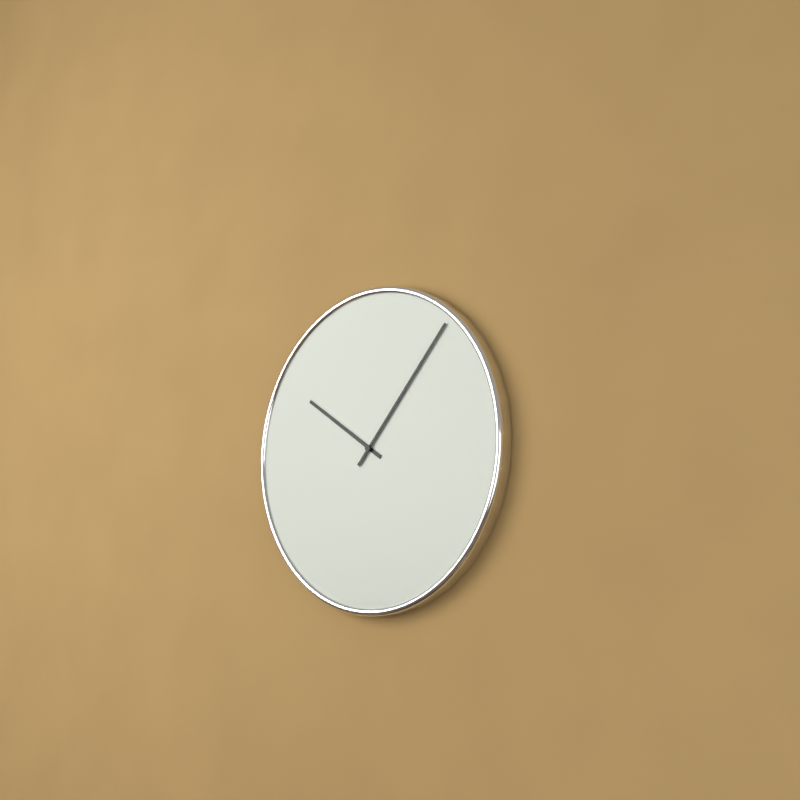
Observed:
{"hour": 10, "minute": 7}
